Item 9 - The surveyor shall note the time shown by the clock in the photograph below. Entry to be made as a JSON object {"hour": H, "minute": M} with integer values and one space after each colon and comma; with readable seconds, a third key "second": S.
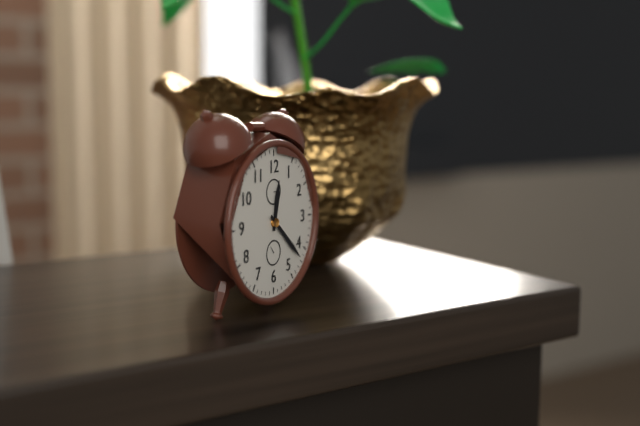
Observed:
{"hour": 12, "minute": 22}
